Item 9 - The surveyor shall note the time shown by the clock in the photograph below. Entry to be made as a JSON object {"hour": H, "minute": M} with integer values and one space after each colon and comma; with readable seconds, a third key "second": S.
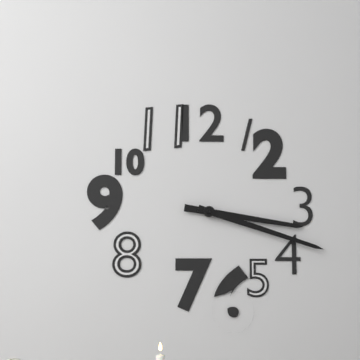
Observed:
{"hour": 3, "minute": 18}
